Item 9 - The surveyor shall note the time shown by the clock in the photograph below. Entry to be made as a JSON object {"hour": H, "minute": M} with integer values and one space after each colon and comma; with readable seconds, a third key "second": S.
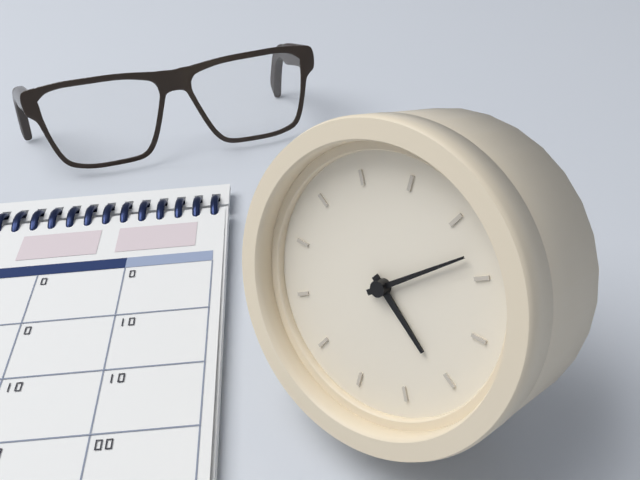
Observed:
{"hour": 4, "minute": 8}
